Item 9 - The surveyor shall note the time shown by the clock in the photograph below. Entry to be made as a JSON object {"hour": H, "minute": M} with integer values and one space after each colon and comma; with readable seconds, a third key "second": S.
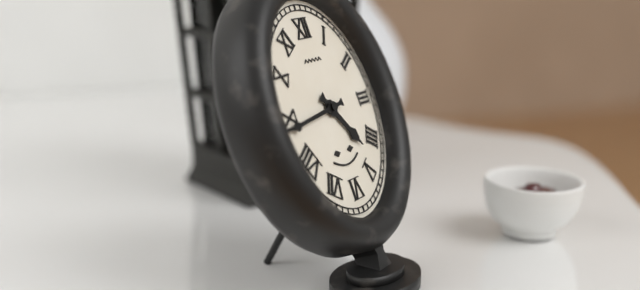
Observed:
{"hour": 4, "minute": 44}
